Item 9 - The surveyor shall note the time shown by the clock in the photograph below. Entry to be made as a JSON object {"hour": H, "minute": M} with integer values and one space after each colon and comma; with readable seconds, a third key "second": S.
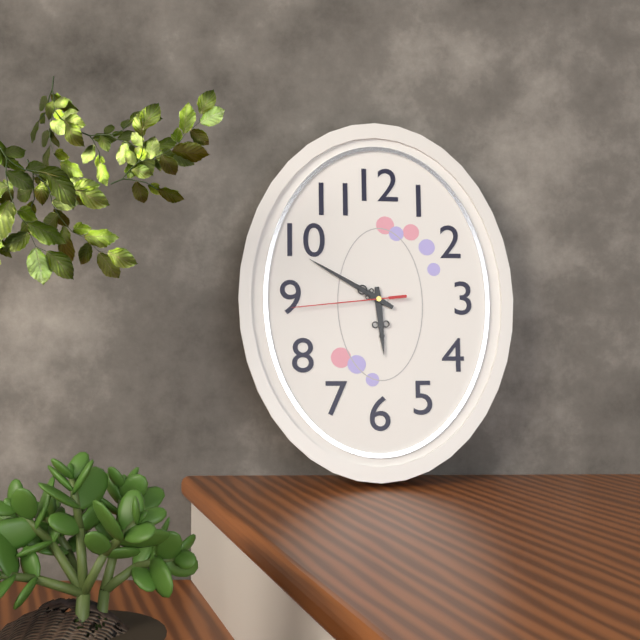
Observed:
{"hour": 5, "minute": 50, "second": 44}
